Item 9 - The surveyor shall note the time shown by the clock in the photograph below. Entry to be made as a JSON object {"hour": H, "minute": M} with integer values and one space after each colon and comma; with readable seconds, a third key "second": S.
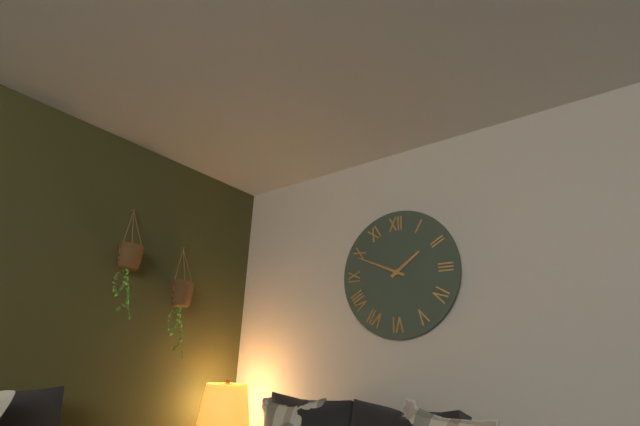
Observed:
{"hour": 1, "minute": 49}
